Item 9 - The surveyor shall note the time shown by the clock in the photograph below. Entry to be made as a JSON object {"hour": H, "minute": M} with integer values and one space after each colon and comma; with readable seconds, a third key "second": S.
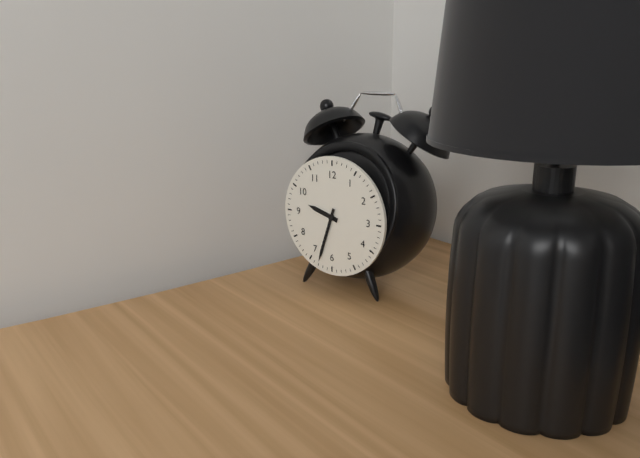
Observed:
{"hour": 9, "minute": 33}
